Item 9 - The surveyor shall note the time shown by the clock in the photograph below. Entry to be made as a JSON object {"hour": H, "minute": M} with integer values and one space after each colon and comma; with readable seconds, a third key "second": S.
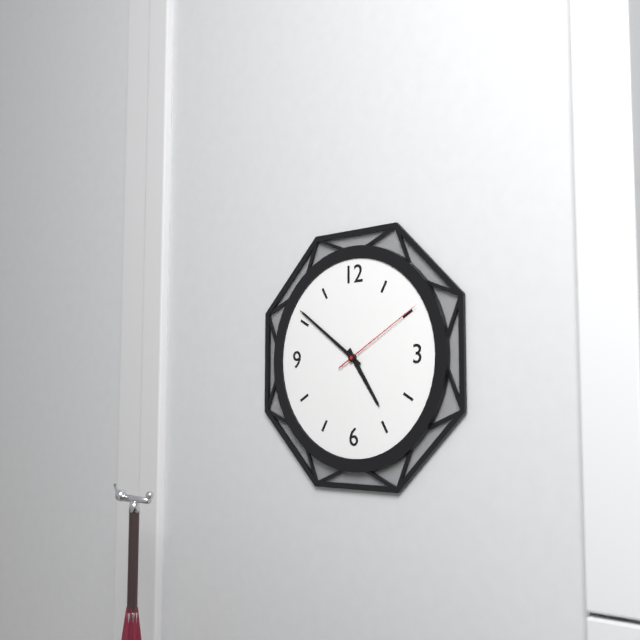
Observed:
{"hour": 4, "minute": 51, "second": 10}
